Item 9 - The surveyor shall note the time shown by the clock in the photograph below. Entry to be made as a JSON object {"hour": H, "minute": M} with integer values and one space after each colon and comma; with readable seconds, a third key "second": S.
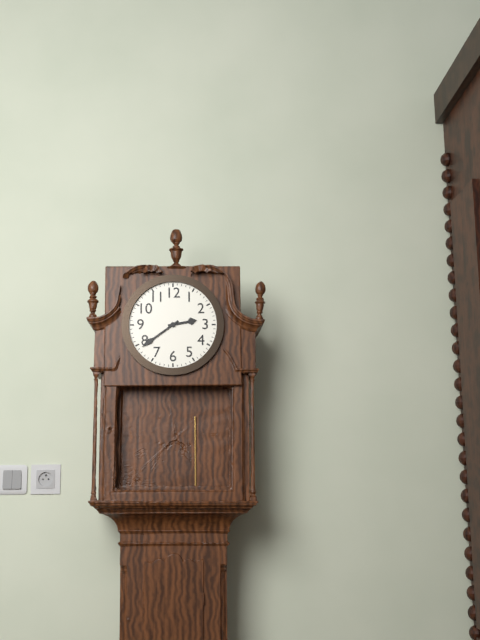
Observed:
{"hour": 2, "minute": 39}
